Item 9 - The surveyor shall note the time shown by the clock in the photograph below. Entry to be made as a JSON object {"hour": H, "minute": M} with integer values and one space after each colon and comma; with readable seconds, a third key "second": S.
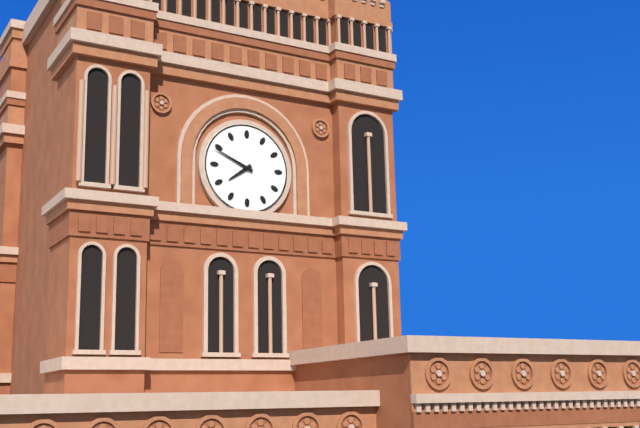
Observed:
{"hour": 7, "minute": 49}
